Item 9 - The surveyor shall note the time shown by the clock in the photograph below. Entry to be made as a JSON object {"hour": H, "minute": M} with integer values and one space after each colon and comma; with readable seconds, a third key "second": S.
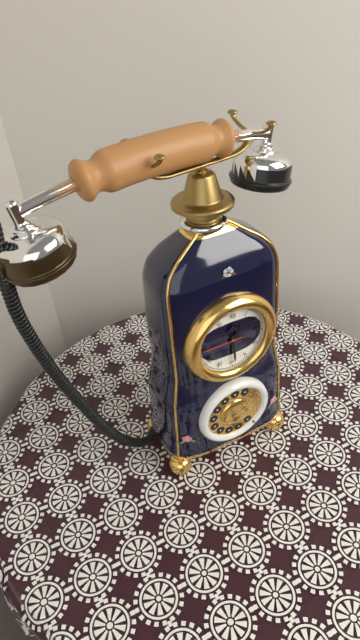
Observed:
{"hour": 1, "minute": 29}
